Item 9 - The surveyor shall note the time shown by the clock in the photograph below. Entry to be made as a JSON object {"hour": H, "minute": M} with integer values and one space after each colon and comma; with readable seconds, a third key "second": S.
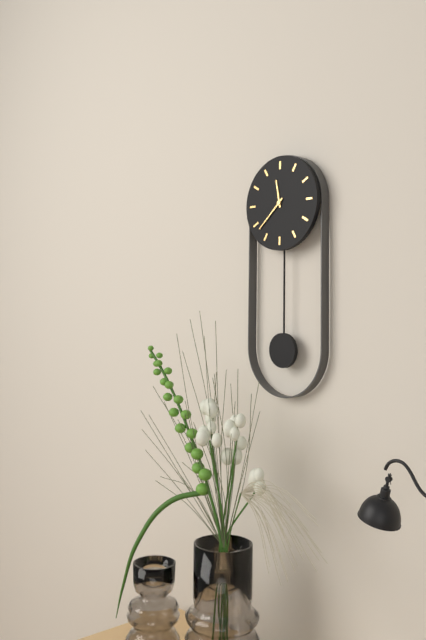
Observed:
{"hour": 11, "minute": 38}
